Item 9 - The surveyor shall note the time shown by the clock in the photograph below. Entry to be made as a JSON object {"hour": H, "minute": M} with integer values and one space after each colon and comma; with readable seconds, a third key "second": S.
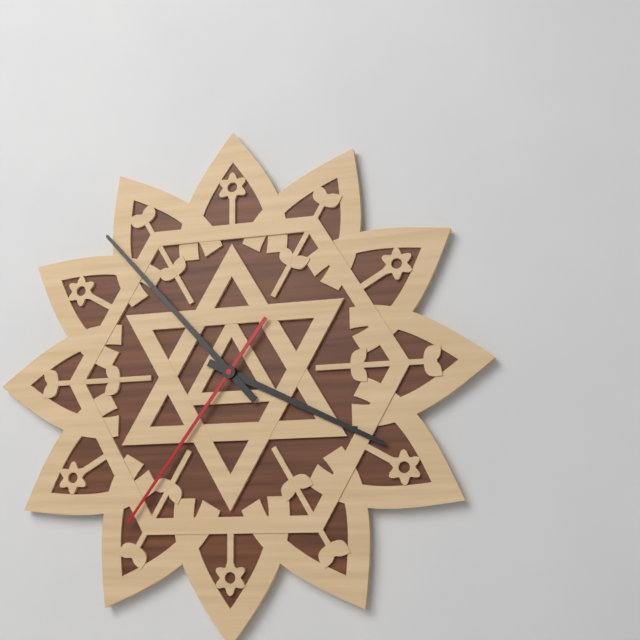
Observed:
{"hour": 3, "minute": 53, "second": 36}
